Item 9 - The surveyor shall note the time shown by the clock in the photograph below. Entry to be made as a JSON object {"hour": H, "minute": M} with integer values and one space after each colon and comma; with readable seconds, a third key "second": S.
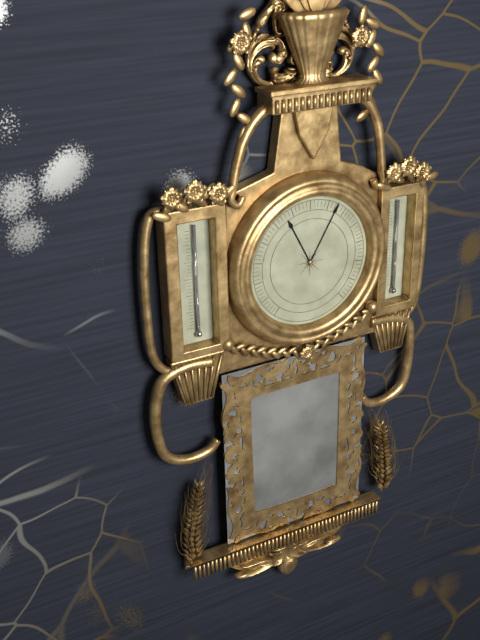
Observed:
{"hour": 11, "minute": 5}
